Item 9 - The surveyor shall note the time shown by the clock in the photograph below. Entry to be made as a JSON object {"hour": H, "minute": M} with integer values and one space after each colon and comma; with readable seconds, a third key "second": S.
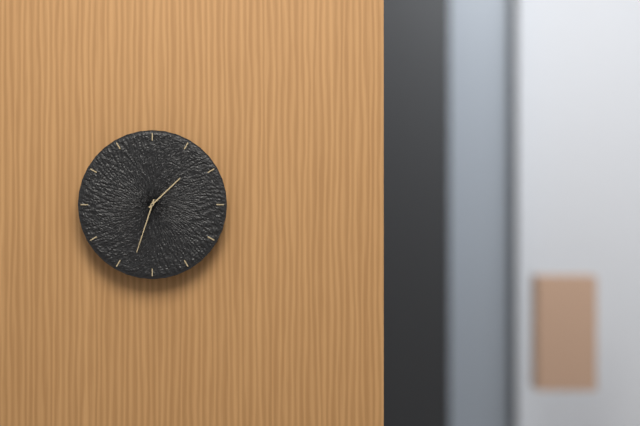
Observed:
{"hour": 1, "minute": 33}
